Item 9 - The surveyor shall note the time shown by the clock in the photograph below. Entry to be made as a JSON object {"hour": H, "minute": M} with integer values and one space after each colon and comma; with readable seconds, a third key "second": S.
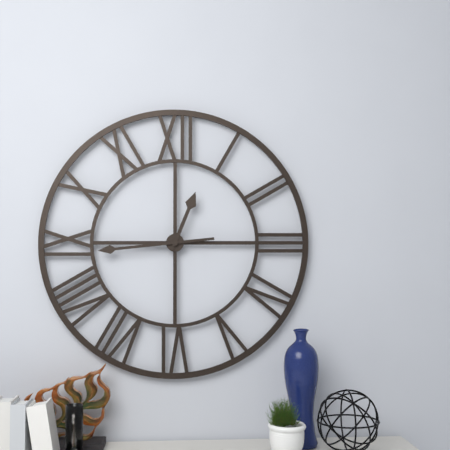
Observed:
{"hour": 12, "minute": 44}
